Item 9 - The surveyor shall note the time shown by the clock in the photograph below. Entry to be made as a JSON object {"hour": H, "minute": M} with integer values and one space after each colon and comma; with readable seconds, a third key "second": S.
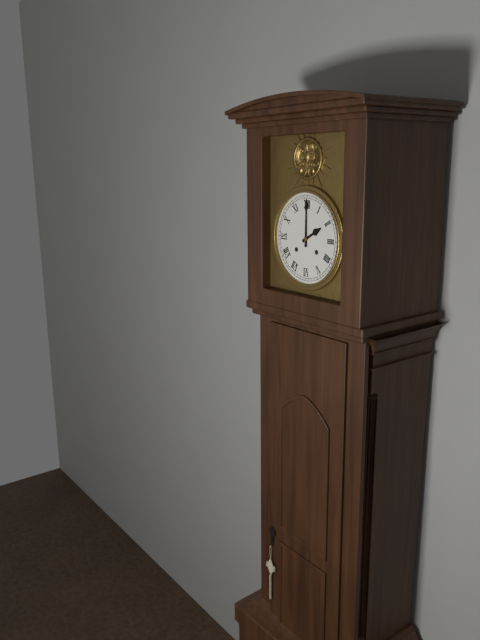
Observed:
{"hour": 2, "minute": 0}
